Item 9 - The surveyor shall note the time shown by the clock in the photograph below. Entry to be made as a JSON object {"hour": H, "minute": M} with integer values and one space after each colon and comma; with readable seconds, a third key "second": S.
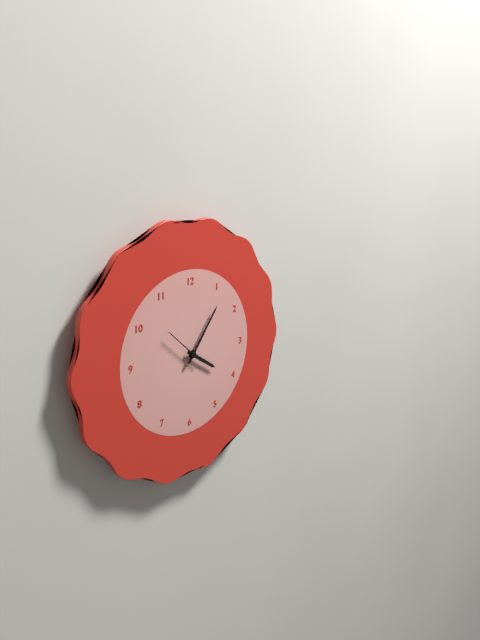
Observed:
{"hour": 4, "minute": 6}
